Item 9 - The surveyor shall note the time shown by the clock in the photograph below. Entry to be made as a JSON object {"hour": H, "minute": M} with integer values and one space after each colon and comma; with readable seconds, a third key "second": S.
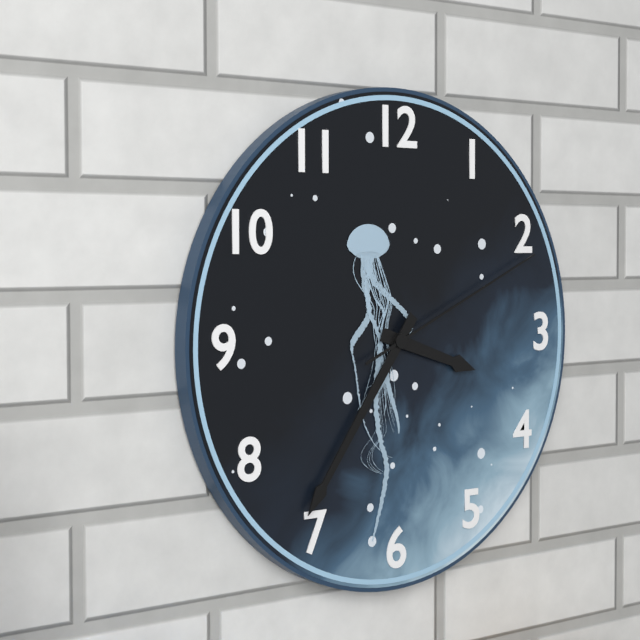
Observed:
{"hour": 3, "minute": 36, "second": 11}
